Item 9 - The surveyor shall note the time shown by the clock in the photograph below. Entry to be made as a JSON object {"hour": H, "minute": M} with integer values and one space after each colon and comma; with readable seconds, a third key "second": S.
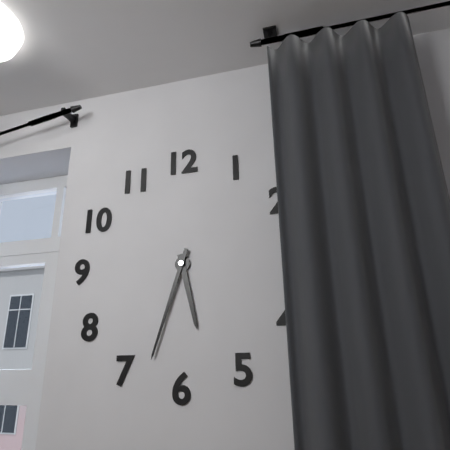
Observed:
{"hour": 5, "minute": 33}
